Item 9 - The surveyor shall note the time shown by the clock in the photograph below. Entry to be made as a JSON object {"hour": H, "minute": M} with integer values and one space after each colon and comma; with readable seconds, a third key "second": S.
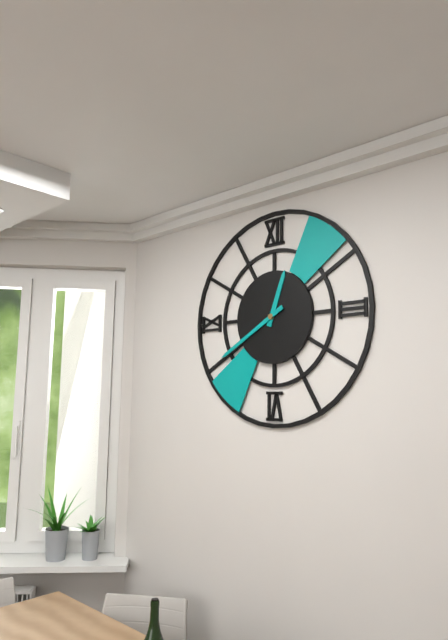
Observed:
{"hour": 12, "minute": 40}
